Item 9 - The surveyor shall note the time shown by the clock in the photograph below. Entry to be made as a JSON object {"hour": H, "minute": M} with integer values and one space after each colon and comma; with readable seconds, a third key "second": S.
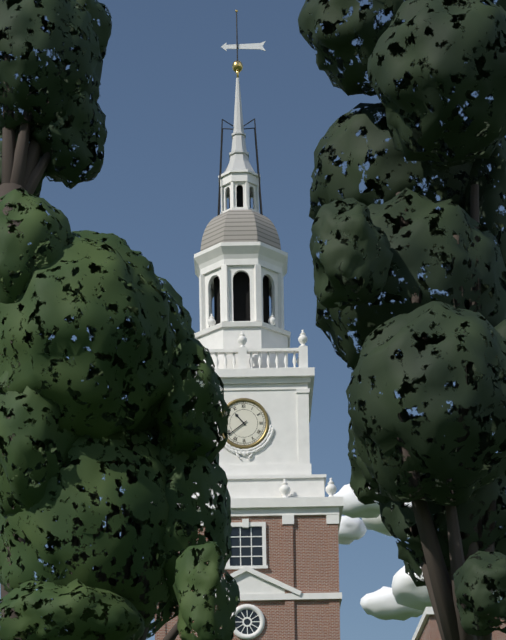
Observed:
{"hour": 10, "minute": 39}
